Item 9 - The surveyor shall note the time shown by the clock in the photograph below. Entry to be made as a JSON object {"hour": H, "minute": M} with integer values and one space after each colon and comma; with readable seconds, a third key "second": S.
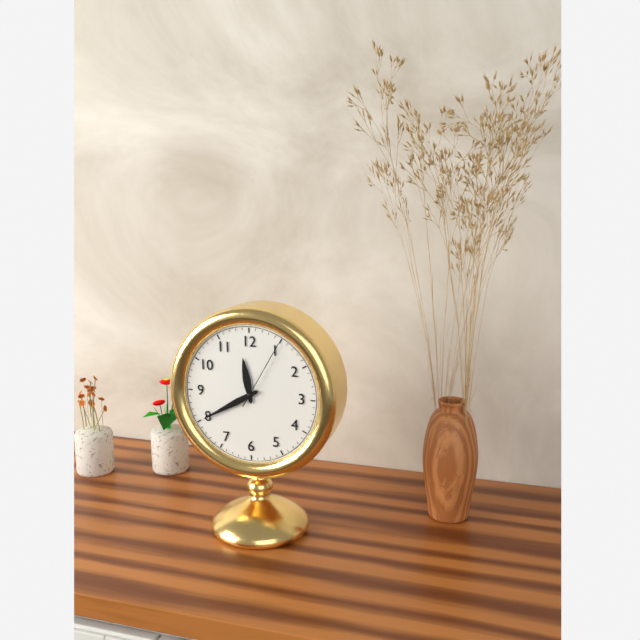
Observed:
{"hour": 11, "minute": 40, "second": 5}
